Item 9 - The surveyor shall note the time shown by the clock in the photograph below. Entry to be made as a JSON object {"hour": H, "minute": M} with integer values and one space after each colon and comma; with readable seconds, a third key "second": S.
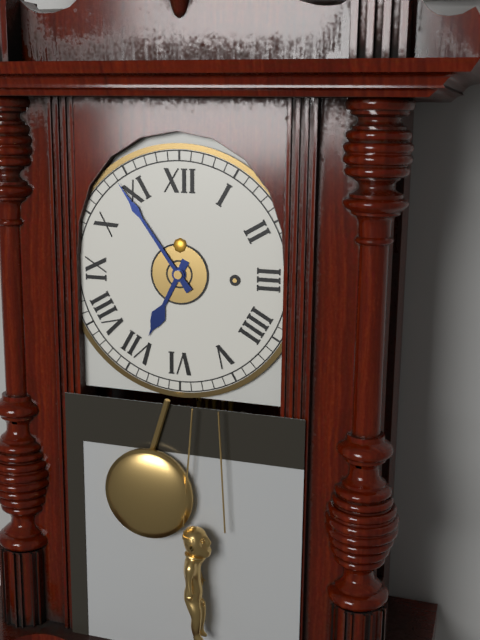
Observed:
{"hour": 6, "minute": 54}
